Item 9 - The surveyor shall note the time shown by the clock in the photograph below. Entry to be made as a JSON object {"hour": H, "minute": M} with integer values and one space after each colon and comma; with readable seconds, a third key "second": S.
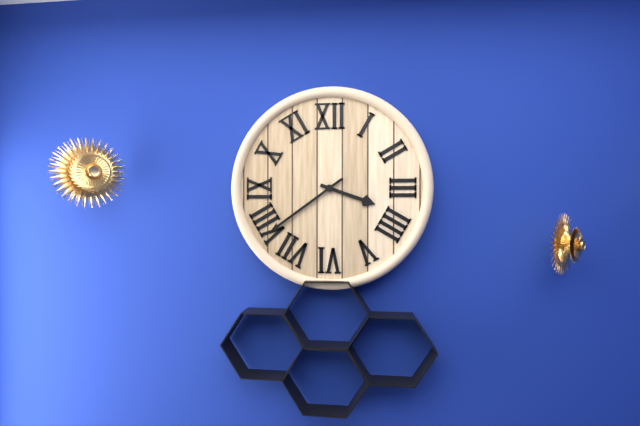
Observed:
{"hour": 3, "minute": 39}
